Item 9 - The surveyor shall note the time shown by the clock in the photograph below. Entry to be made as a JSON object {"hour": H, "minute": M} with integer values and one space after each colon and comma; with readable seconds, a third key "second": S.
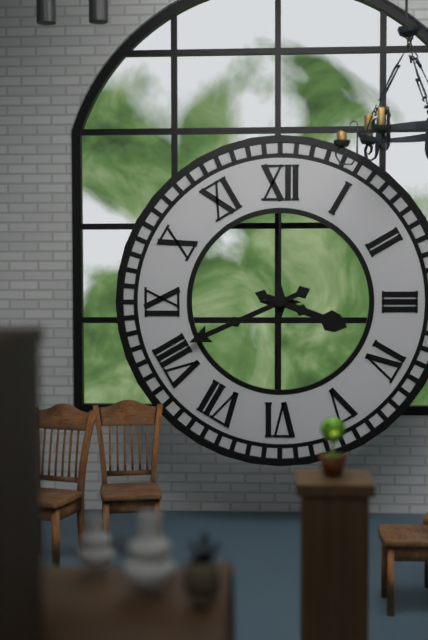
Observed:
{"hour": 3, "minute": 41}
